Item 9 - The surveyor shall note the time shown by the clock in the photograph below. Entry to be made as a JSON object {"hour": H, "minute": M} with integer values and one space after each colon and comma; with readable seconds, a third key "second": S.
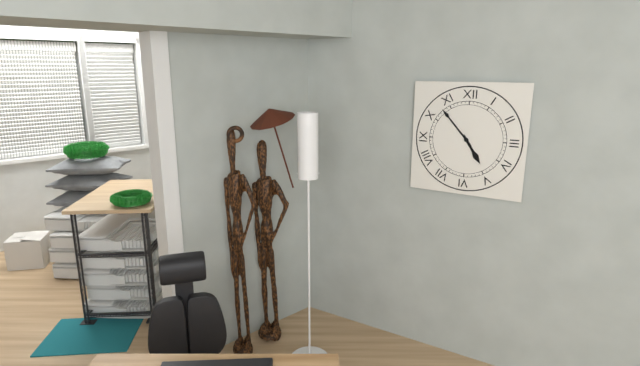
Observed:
{"hour": 4, "minute": 53}
